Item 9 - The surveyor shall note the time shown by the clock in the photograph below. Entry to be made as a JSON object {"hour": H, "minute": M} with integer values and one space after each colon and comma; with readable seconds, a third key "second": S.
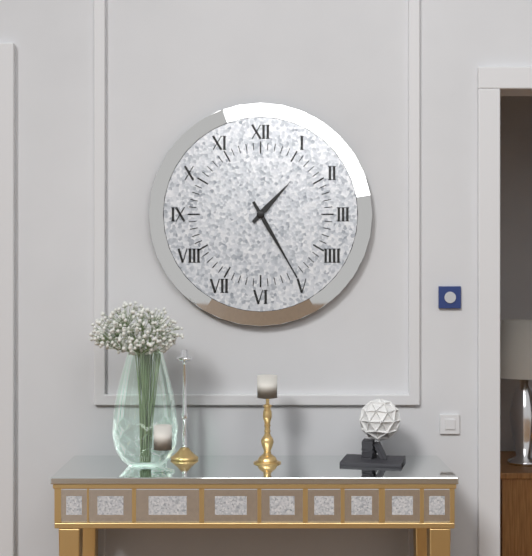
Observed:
{"hour": 1, "minute": 25}
